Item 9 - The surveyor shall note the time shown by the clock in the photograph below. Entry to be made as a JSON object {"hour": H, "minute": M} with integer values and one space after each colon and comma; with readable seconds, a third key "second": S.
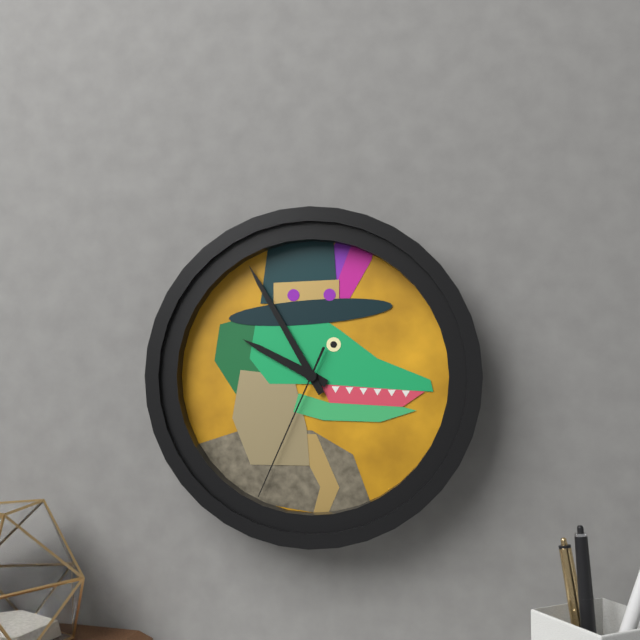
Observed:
{"hour": 9, "minute": 55, "second": 34}
